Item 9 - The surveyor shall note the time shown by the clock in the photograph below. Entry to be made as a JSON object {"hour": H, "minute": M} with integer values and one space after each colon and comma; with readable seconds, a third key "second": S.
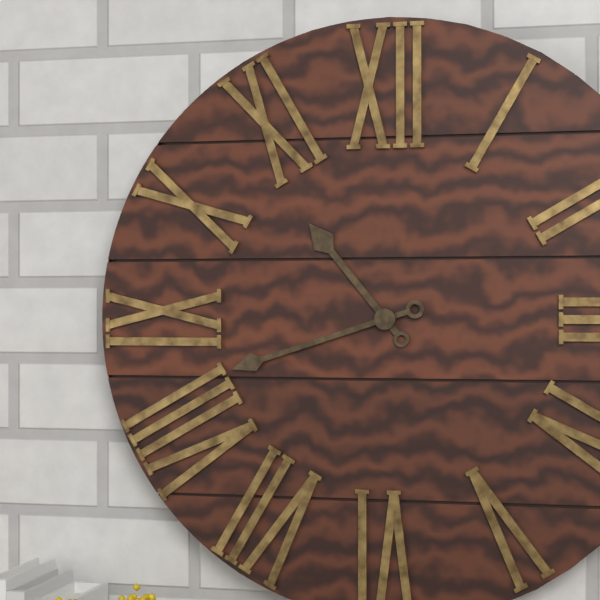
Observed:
{"hour": 10, "minute": 42}
